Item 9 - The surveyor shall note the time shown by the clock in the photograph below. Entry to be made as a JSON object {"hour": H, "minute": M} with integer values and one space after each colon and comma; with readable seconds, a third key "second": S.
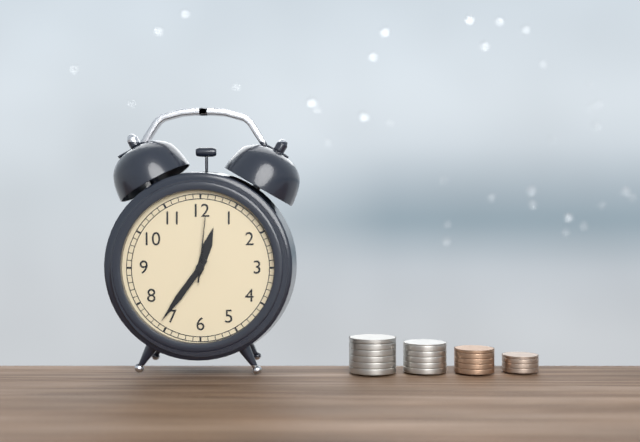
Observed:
{"hour": 12, "minute": 36, "second": 1}
